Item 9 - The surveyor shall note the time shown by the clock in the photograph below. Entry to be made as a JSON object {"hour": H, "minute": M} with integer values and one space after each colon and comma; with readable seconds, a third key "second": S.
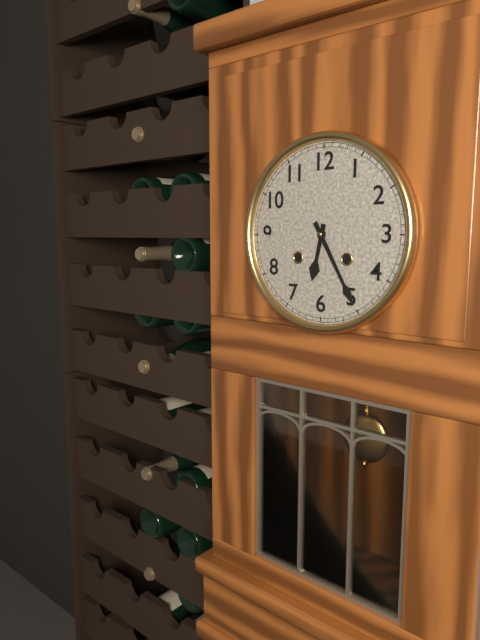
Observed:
{"hour": 6, "minute": 25}
